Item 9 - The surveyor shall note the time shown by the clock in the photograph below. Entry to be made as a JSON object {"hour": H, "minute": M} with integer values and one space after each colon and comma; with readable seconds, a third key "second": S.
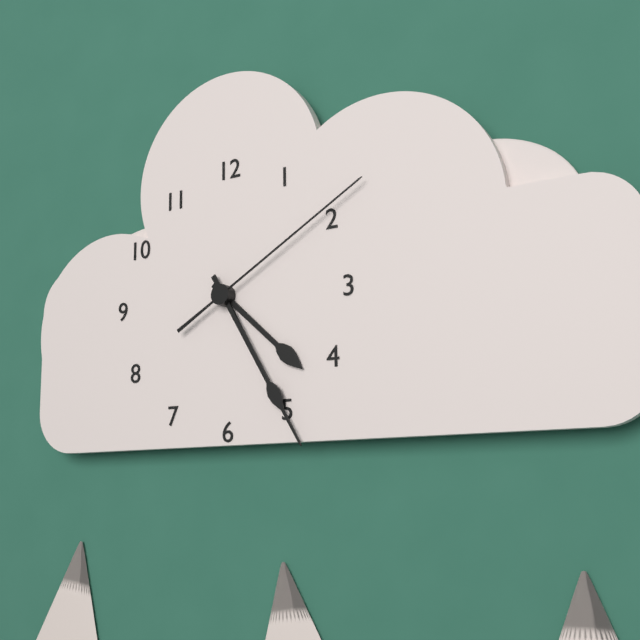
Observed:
{"hour": 4, "minute": 25, "second": 10}
